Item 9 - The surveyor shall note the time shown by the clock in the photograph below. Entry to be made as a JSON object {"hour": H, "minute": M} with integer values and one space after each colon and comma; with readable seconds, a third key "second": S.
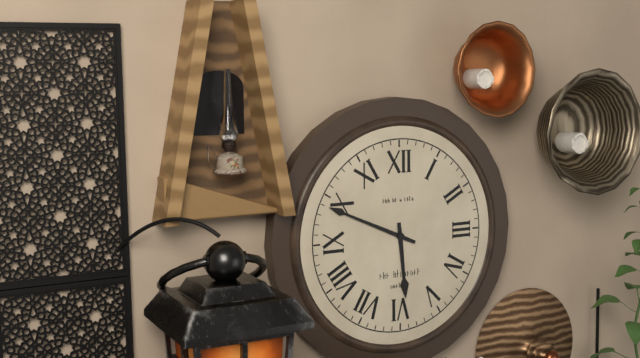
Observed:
{"hour": 5, "minute": 49}
